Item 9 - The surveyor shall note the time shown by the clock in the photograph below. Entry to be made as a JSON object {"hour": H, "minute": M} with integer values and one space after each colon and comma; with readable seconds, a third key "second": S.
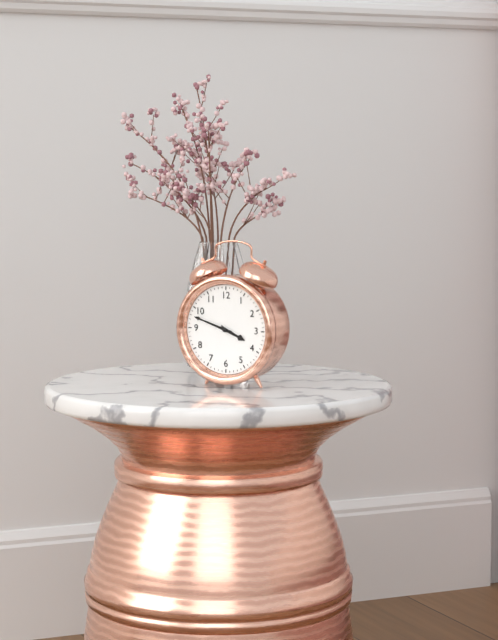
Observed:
{"hour": 3, "minute": 48}
